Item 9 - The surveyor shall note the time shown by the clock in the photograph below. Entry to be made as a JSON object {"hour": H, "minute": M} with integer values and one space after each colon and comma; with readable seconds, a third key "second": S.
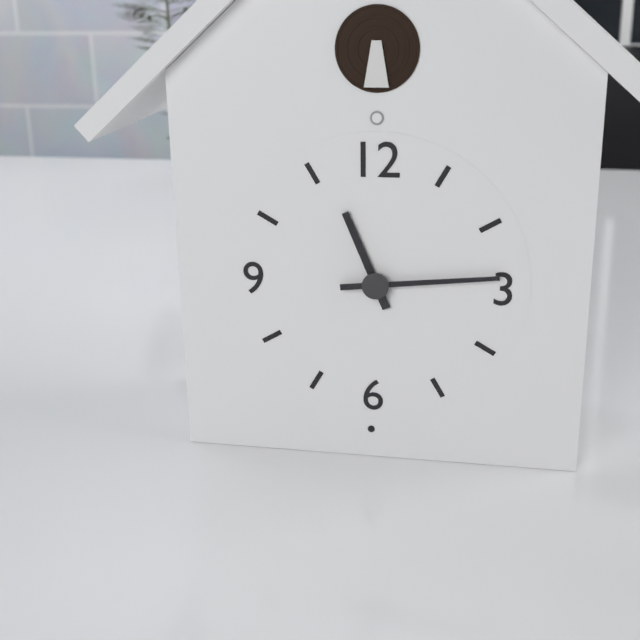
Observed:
{"hour": 11, "minute": 14}
